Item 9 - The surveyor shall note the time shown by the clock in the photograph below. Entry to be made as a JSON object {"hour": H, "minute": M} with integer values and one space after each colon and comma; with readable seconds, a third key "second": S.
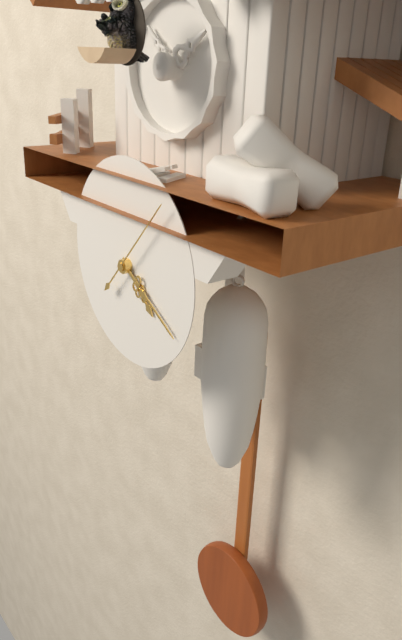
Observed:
{"hour": 4, "minute": 20, "second": 7}
